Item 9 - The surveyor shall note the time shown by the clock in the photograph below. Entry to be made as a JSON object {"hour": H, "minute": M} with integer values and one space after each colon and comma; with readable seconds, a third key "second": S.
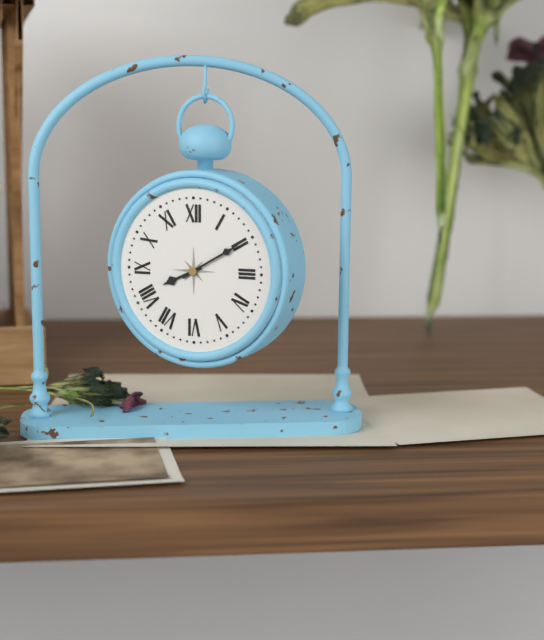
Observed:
{"hour": 8, "minute": 10}
